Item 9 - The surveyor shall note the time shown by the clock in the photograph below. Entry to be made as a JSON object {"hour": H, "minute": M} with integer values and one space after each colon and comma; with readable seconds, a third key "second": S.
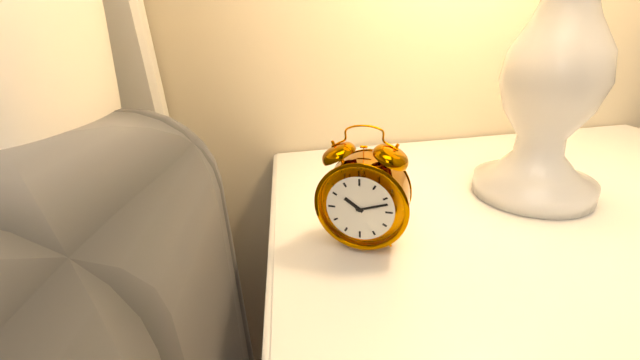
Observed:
{"hour": 10, "minute": 12}
